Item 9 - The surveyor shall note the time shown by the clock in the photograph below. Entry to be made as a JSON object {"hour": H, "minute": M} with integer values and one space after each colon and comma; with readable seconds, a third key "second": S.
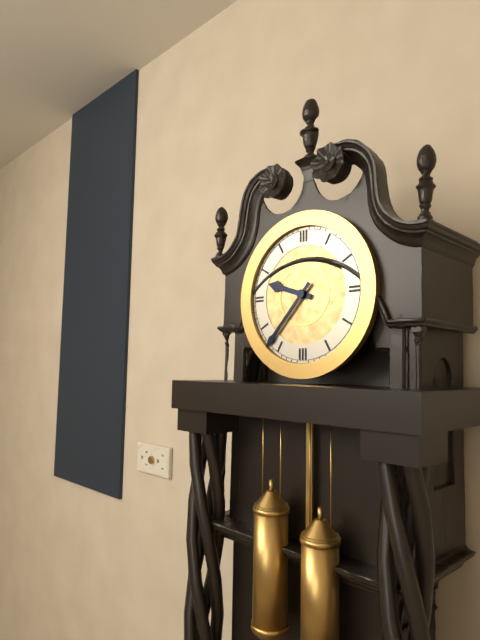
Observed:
{"hour": 9, "minute": 37}
